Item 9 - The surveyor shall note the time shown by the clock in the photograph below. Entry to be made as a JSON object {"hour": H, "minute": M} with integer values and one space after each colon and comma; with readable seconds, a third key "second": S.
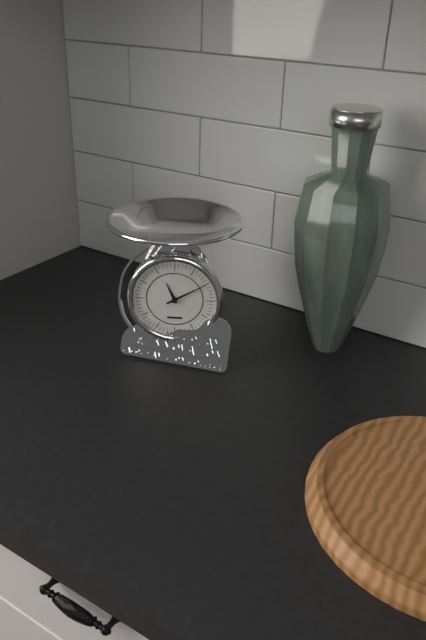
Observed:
{"hour": 11, "minute": 10}
